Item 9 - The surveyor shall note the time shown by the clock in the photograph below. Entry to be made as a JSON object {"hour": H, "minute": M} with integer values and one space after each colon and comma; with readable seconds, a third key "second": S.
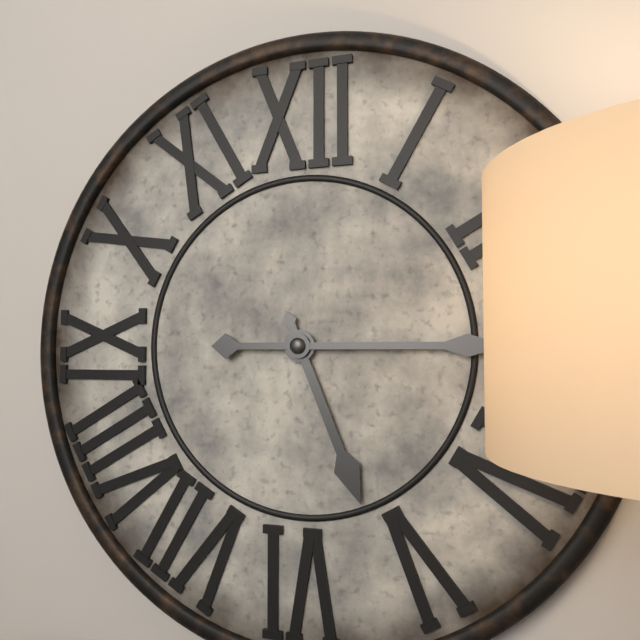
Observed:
{"hour": 5, "minute": 15}
